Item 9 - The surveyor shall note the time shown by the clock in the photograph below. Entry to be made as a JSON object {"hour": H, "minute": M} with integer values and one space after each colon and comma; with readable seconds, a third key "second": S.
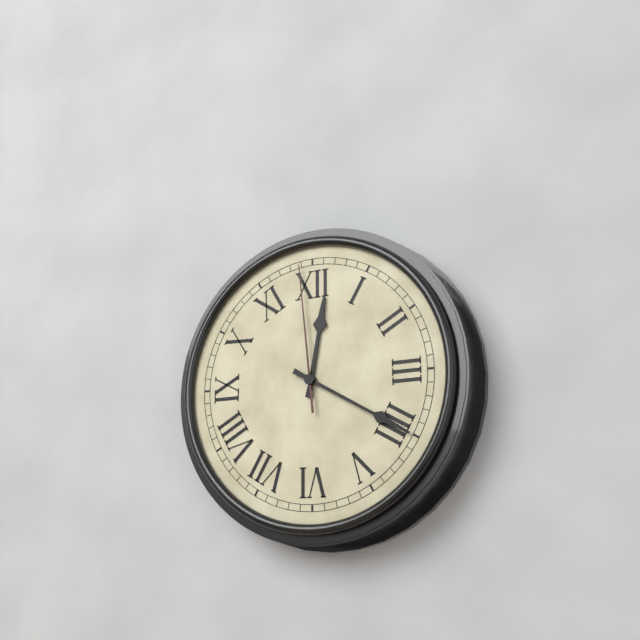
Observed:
{"hour": 12, "minute": 20, "second": 59}
